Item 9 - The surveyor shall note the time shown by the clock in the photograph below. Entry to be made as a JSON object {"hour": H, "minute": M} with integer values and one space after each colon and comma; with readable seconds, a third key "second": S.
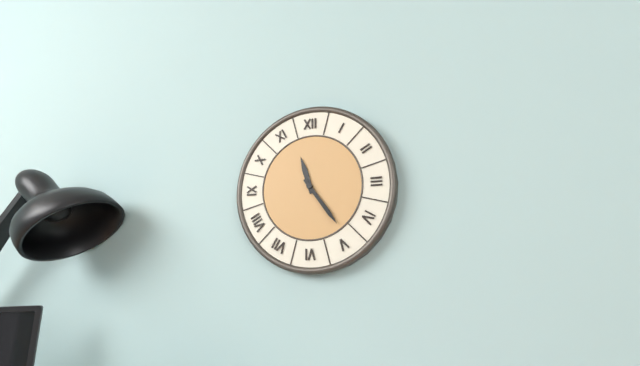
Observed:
{"hour": 11, "minute": 24}
